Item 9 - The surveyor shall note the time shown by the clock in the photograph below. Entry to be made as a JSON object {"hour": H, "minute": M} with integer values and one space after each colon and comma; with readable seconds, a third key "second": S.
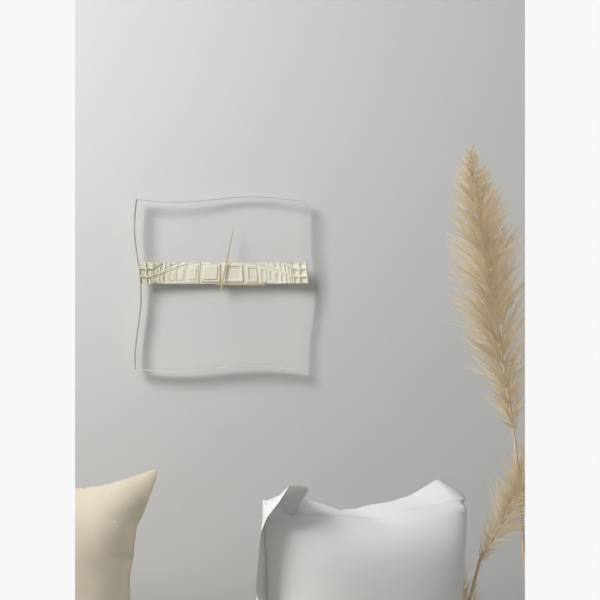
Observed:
{"hour": 3, "minute": 2}
